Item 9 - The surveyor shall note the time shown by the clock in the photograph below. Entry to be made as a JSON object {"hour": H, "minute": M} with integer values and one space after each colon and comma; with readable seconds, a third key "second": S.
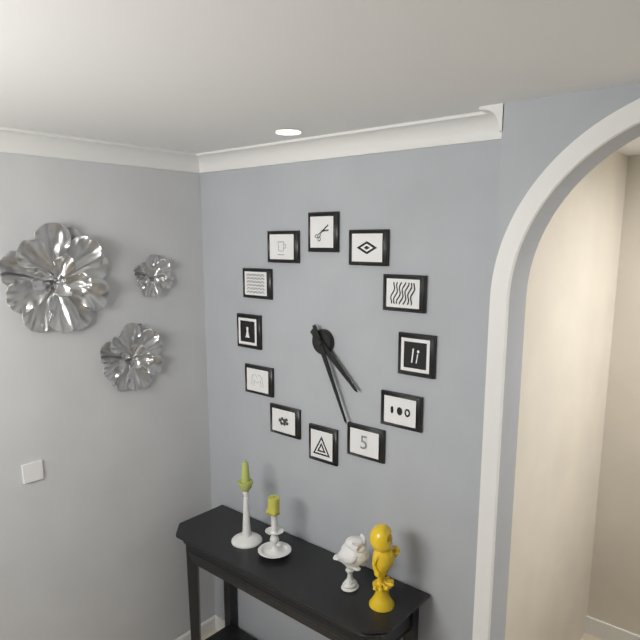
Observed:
{"hour": 4, "minute": 26}
